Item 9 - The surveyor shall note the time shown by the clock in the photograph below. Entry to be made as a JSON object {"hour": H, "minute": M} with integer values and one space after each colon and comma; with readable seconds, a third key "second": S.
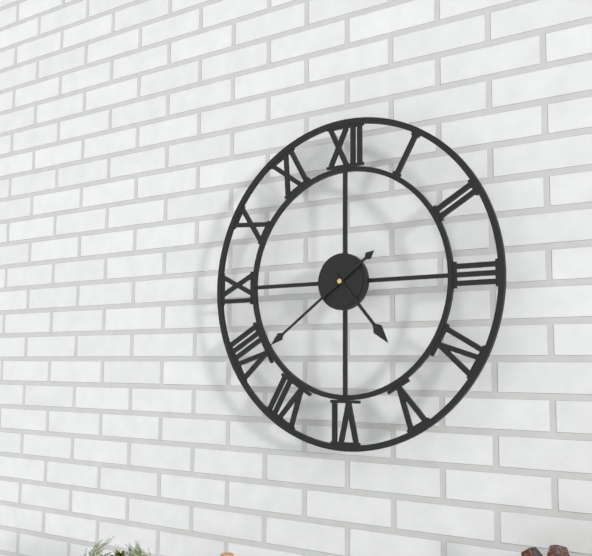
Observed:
{"hour": 4, "minute": 39}
